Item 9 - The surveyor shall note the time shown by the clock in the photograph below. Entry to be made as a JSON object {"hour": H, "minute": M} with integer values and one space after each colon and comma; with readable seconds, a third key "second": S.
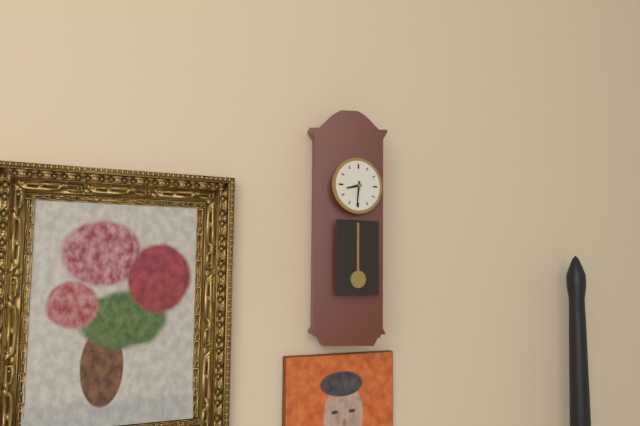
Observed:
{"hour": 8, "minute": 31}
